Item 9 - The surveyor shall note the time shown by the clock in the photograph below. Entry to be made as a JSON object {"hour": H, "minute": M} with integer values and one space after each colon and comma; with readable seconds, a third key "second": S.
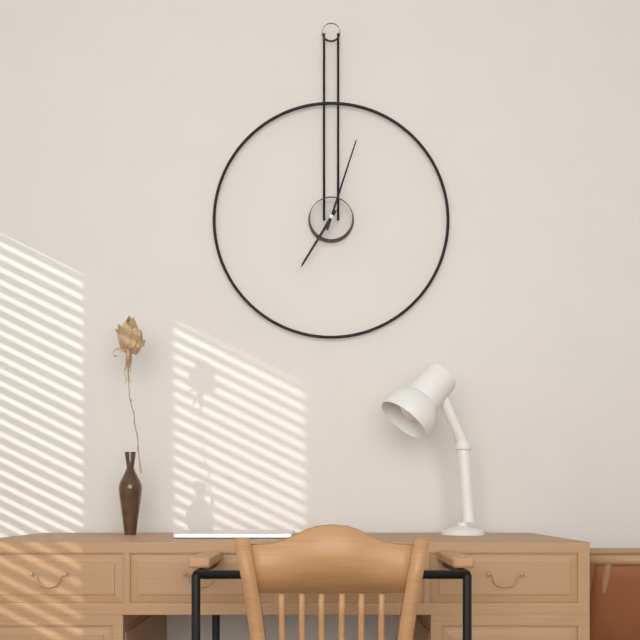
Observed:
{"hour": 7, "minute": 3}
